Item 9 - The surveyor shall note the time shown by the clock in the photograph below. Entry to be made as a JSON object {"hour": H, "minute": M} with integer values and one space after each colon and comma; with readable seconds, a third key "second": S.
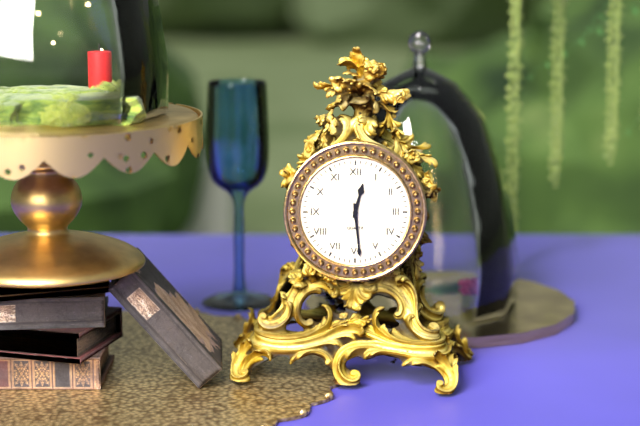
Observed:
{"hour": 12, "minute": 29}
